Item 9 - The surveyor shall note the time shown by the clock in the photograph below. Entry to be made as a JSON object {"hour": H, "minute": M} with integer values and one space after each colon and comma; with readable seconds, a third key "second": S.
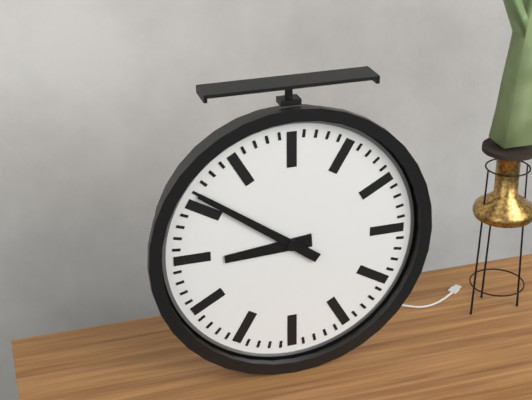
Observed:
{"hour": 8, "minute": 51}
